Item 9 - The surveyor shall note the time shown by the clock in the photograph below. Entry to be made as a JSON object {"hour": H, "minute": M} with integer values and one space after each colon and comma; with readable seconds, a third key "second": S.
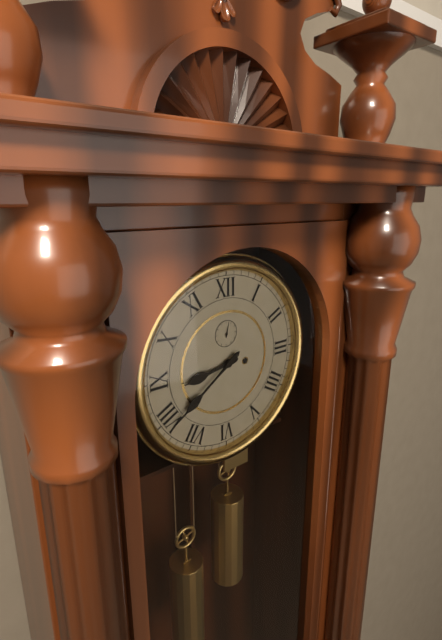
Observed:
{"hour": 8, "minute": 39}
